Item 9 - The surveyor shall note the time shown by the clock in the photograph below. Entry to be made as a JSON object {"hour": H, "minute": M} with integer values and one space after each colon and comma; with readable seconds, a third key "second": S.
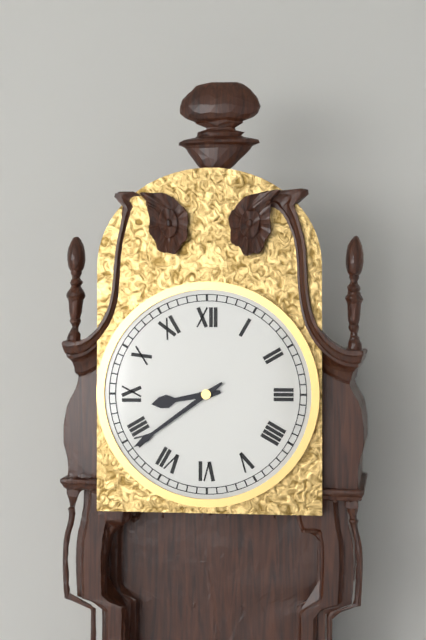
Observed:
{"hour": 8, "minute": 39}
